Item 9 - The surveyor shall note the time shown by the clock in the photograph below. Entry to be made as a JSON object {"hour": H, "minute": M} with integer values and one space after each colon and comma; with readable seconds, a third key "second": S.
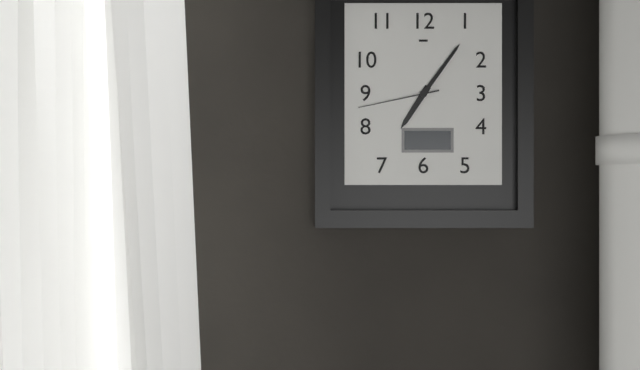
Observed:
{"hour": 7, "minute": 6, "second": 43}
